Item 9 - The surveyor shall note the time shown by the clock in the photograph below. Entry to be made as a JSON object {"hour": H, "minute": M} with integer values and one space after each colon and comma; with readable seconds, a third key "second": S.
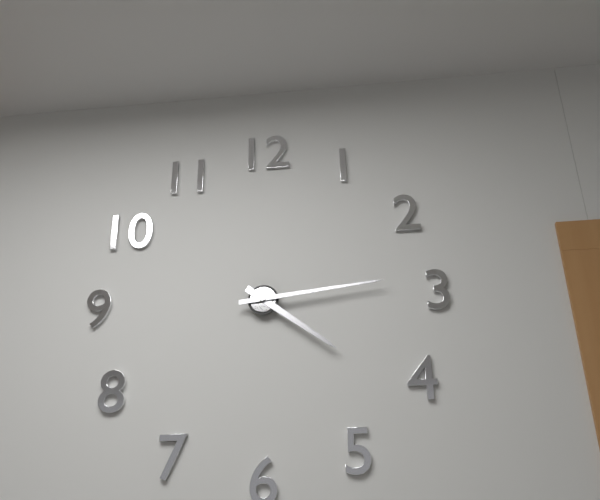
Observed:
{"hour": 4, "minute": 14}
